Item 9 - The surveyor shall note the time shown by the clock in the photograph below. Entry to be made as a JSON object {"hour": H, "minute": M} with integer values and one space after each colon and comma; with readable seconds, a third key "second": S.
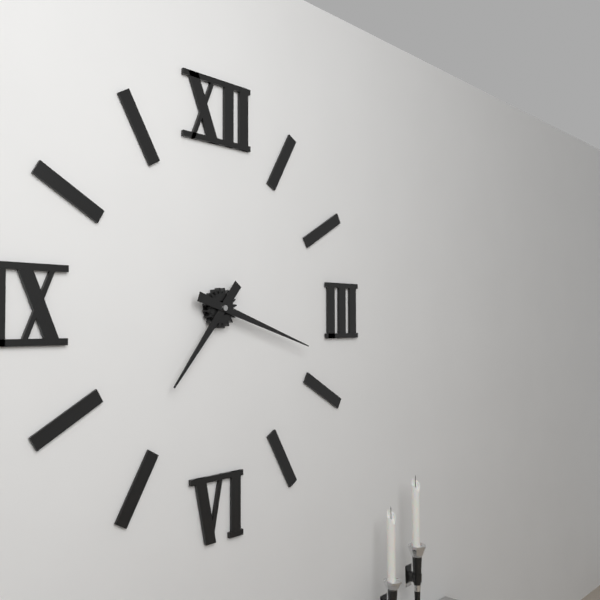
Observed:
{"hour": 7, "minute": 18}
